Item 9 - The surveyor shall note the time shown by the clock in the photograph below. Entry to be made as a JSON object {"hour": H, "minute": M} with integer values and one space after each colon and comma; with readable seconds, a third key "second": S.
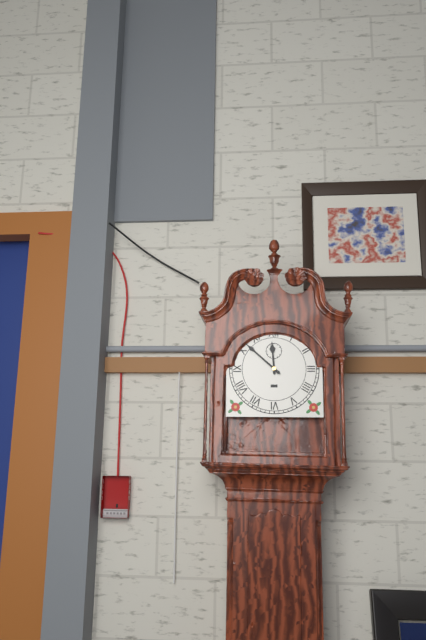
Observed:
{"hour": 11, "minute": 52}
